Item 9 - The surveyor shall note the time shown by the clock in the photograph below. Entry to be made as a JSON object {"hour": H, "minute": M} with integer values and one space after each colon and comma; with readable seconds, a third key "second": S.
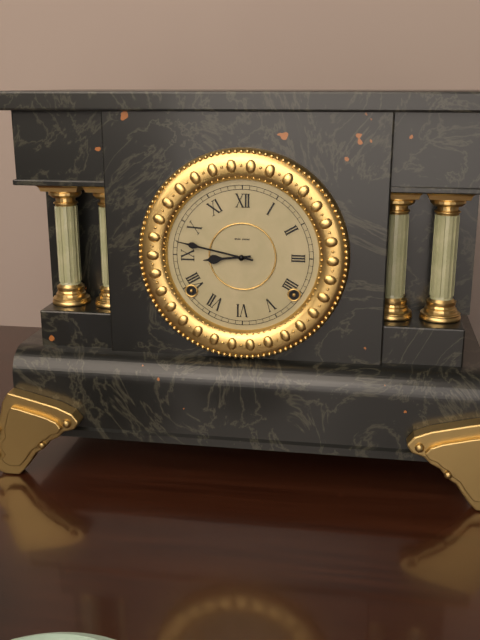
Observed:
{"hour": 8, "minute": 47}
